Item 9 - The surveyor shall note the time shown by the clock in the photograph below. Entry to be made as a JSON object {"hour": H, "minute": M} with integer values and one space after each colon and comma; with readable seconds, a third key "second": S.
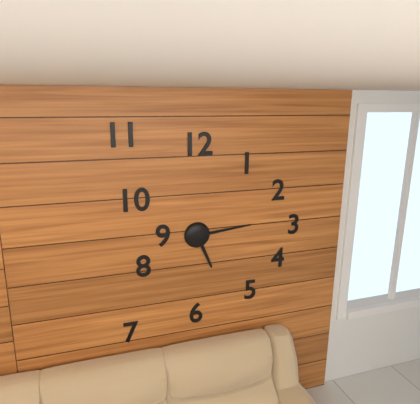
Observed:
{"hour": 5, "minute": 14}
